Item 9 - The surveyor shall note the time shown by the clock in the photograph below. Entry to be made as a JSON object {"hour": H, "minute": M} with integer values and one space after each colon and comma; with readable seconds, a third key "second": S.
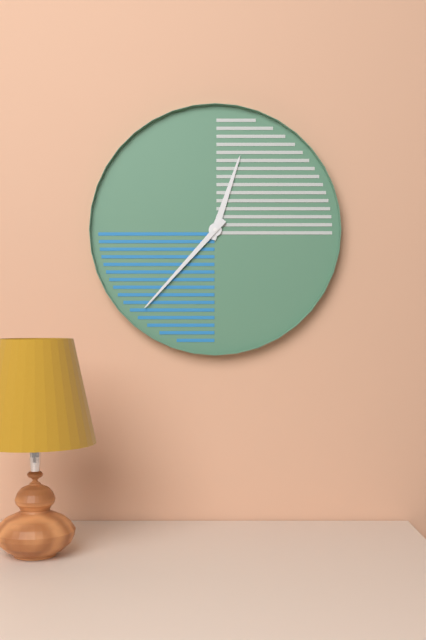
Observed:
{"hour": 12, "minute": 37}
